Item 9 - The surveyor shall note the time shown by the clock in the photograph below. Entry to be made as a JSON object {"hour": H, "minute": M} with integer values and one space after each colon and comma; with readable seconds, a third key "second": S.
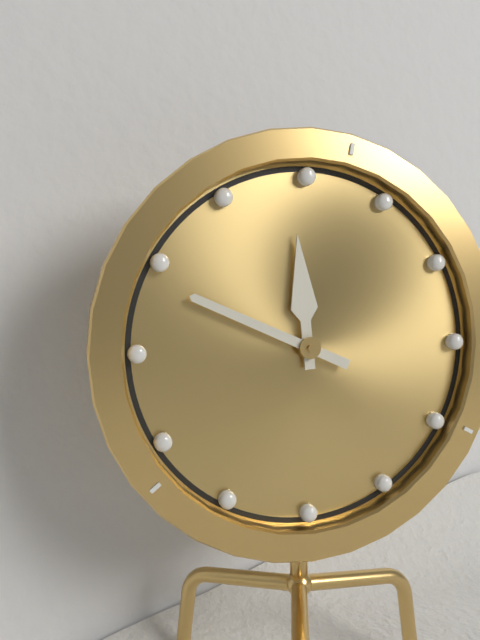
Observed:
{"hour": 11, "minute": 49}
